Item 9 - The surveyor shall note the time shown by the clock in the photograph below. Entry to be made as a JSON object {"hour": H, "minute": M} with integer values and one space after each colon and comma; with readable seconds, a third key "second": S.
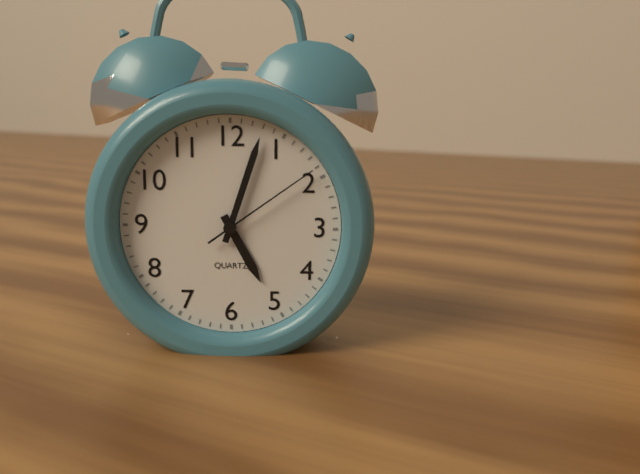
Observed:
{"hour": 5, "minute": 3, "second": 9}
